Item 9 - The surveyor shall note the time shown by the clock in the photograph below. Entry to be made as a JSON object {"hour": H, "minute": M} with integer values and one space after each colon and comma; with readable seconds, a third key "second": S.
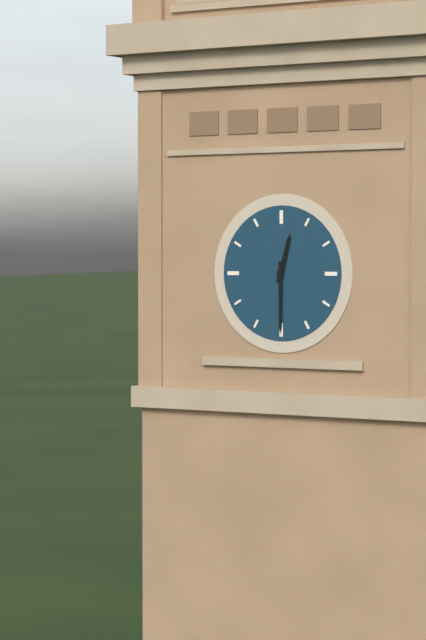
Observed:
{"hour": 12, "minute": 30}
